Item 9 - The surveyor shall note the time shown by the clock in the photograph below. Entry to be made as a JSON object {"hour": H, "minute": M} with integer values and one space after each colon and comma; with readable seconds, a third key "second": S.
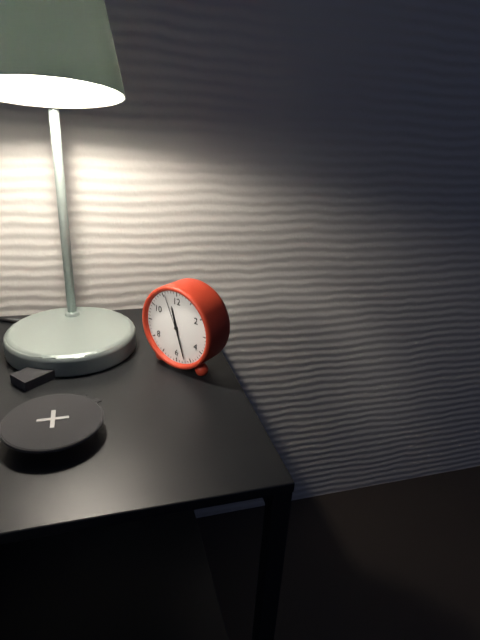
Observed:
{"hour": 11, "minute": 27}
